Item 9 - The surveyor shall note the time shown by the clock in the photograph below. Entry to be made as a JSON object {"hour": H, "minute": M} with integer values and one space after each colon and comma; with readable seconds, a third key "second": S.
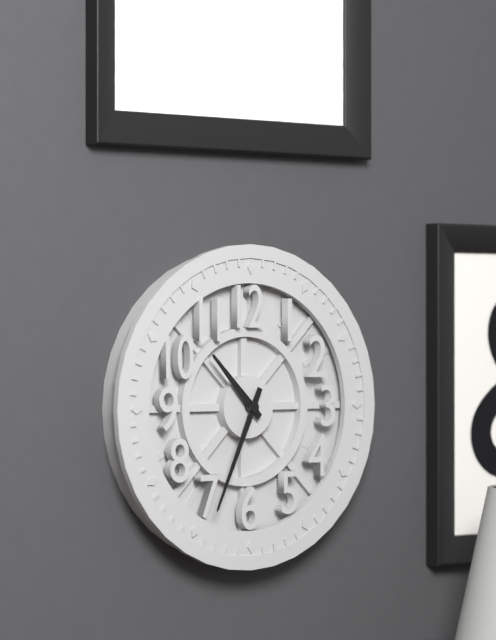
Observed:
{"hour": 10, "minute": 34}
